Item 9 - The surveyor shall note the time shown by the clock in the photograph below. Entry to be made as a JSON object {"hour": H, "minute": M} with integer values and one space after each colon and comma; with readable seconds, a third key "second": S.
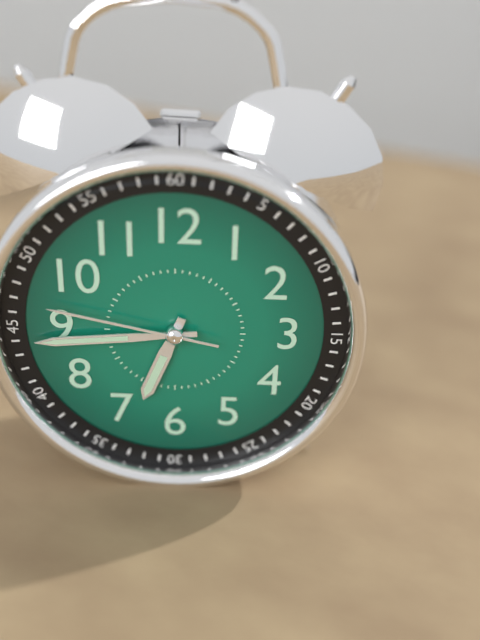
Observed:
{"hour": 6, "minute": 44, "second": 47}
